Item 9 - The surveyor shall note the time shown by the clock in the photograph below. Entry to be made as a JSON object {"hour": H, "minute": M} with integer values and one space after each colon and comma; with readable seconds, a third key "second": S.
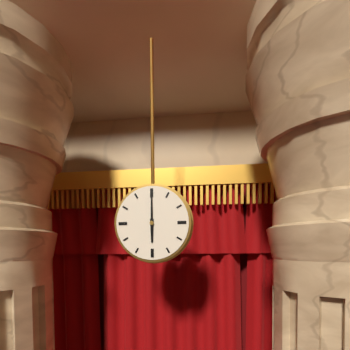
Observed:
{"hour": 6, "minute": 0}
